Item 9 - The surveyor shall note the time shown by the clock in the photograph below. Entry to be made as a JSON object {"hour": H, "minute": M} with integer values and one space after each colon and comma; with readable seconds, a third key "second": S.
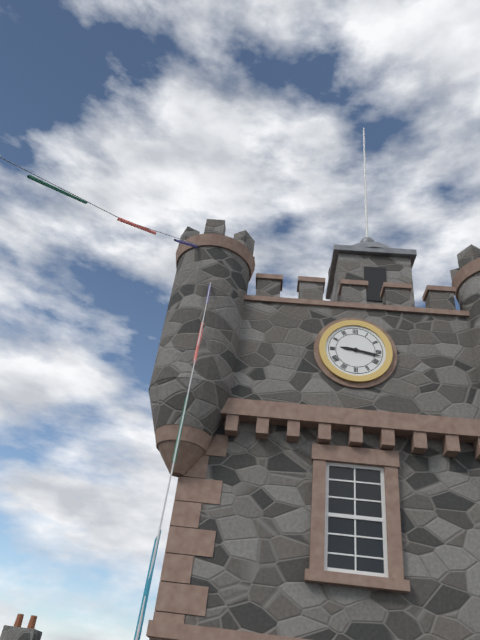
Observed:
{"hour": 9, "minute": 17}
